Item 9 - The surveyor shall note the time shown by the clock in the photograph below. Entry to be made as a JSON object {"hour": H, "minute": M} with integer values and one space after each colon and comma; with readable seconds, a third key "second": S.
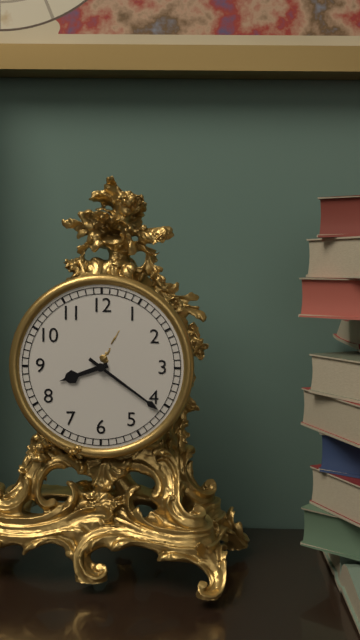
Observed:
{"hour": 8, "minute": 21}
